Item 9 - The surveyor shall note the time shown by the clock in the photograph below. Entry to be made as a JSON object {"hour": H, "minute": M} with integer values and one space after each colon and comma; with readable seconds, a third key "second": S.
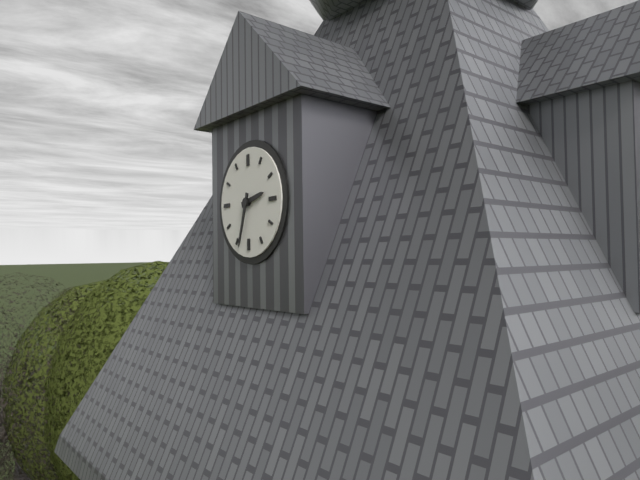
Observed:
{"hour": 2, "minute": 33}
